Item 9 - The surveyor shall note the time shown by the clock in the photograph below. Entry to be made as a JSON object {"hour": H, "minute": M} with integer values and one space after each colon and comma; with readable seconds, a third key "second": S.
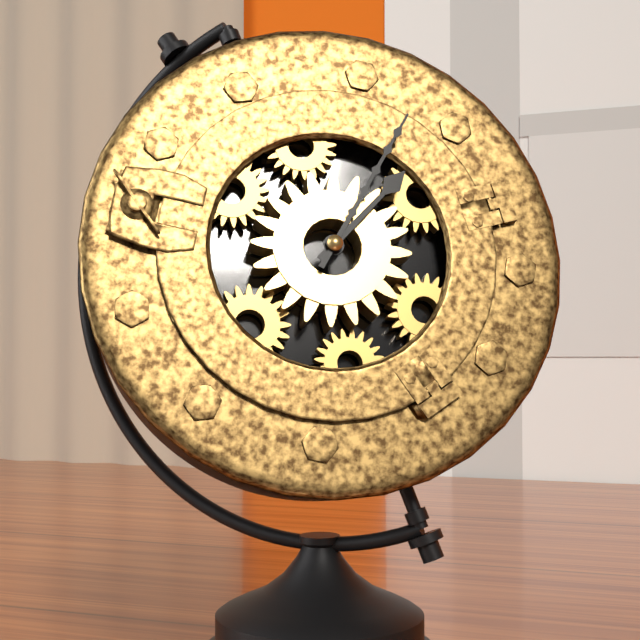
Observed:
{"hour": 1, "minute": 3}
